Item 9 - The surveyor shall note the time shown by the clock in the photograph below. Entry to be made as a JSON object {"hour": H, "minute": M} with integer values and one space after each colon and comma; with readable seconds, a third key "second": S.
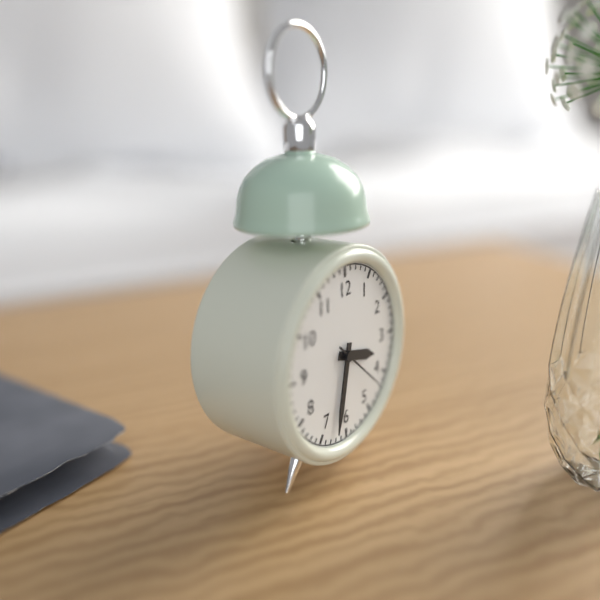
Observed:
{"hour": 3, "minute": 32, "second": 22}
